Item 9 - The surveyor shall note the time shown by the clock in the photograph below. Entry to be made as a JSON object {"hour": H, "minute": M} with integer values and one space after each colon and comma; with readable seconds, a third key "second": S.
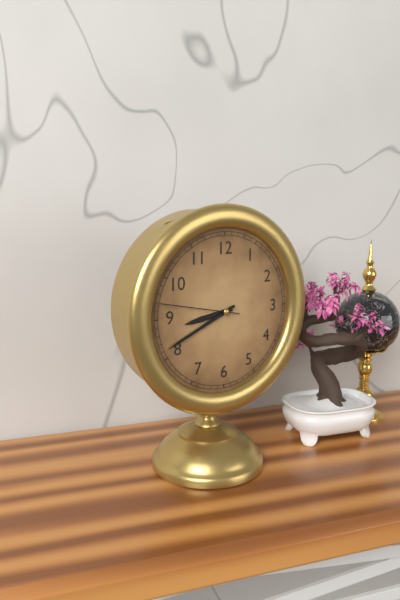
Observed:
{"hour": 8, "minute": 41, "second": 47}
